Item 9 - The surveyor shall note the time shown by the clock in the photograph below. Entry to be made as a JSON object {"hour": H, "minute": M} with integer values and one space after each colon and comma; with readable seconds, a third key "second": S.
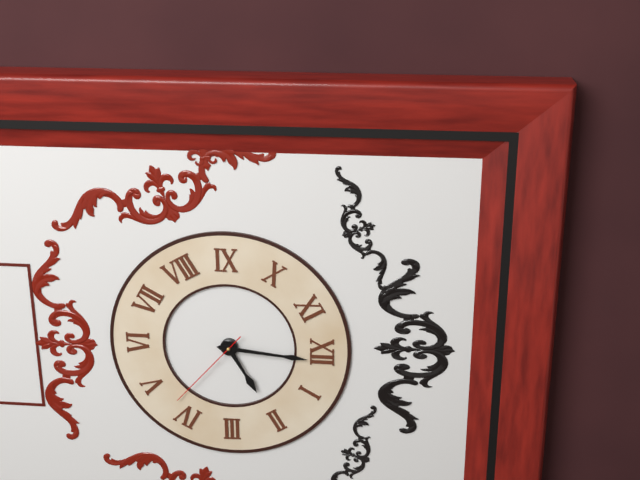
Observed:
{"hour": 2, "minute": 1, "second": 22}
